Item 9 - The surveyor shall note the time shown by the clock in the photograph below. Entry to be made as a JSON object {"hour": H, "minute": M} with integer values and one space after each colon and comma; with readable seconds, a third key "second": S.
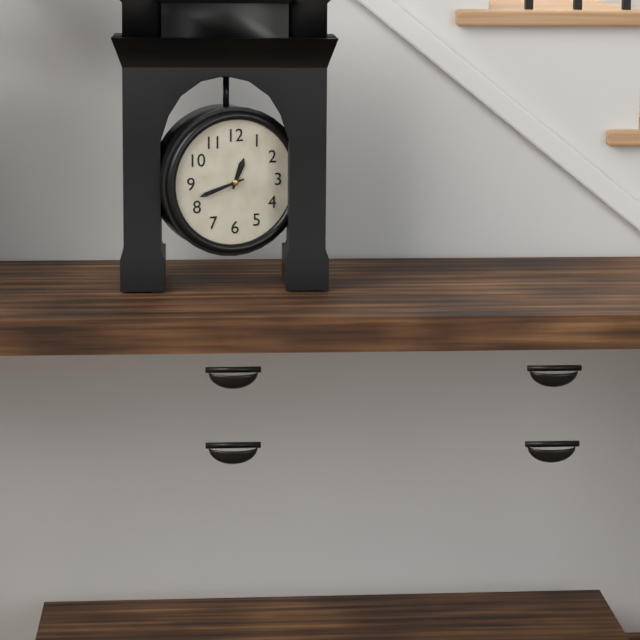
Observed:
{"hour": 12, "minute": 42}
